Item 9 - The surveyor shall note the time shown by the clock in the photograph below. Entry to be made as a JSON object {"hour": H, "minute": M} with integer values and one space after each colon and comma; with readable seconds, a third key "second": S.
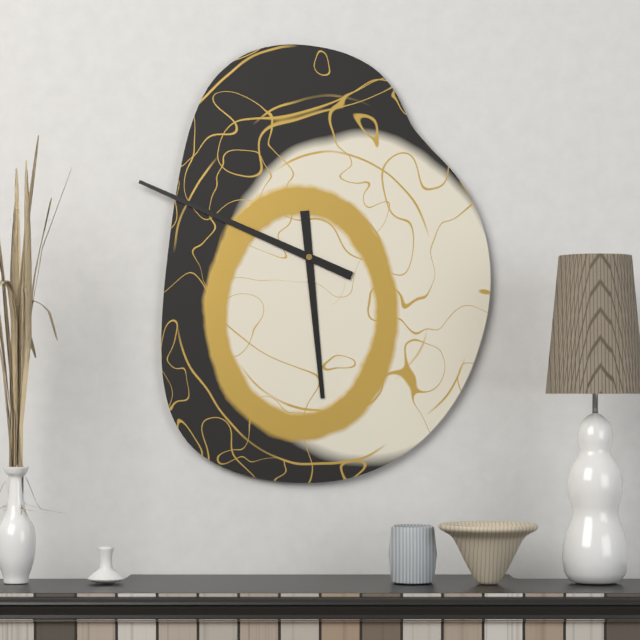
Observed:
{"hour": 5, "minute": 49}
